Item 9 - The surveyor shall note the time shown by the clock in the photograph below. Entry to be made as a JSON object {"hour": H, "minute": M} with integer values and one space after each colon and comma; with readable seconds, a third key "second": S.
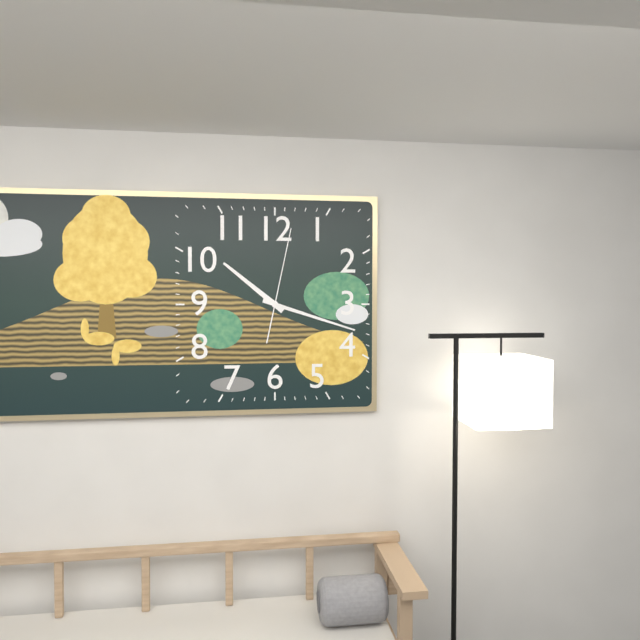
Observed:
{"hour": 10, "minute": 18, "second": 2}
